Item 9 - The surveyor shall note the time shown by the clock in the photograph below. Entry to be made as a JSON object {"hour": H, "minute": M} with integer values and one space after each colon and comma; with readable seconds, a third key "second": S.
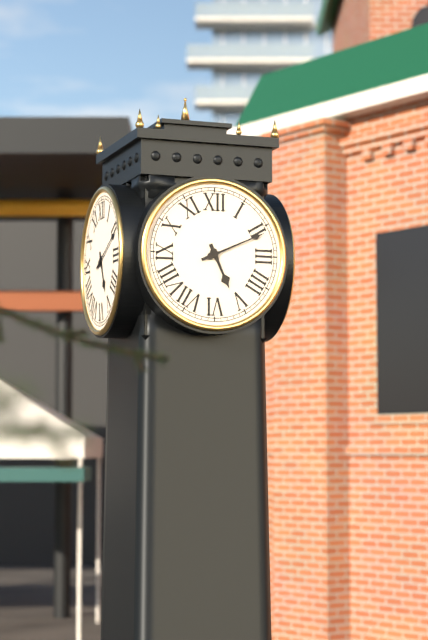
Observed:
{"hour": 5, "minute": 11}
